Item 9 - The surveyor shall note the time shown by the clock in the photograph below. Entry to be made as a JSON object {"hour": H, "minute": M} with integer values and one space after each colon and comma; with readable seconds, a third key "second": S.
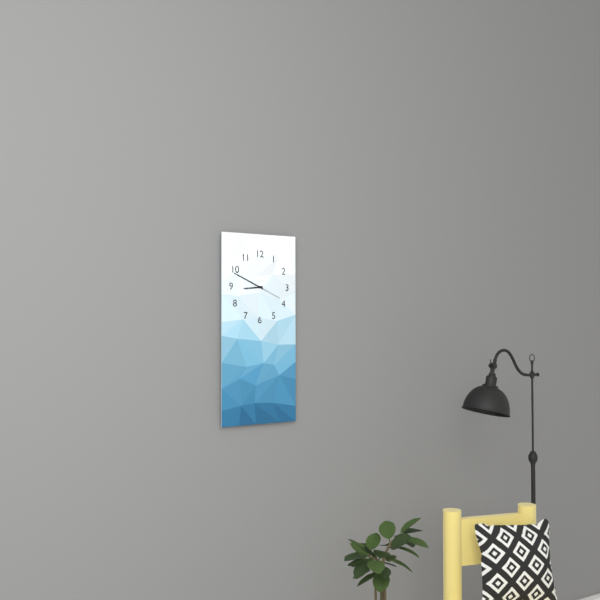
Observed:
{"hour": 8, "minute": 49}
